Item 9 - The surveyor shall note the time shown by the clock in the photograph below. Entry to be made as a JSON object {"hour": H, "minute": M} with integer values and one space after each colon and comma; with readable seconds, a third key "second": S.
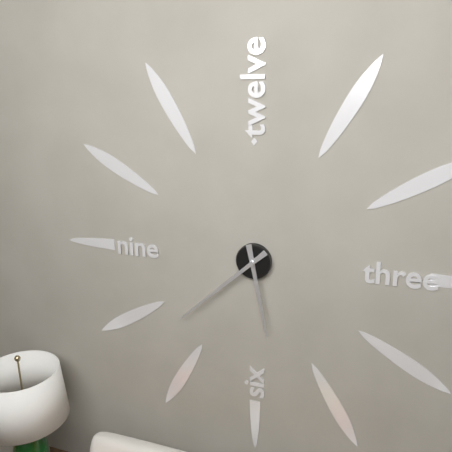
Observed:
{"hour": 5, "minute": 38}
